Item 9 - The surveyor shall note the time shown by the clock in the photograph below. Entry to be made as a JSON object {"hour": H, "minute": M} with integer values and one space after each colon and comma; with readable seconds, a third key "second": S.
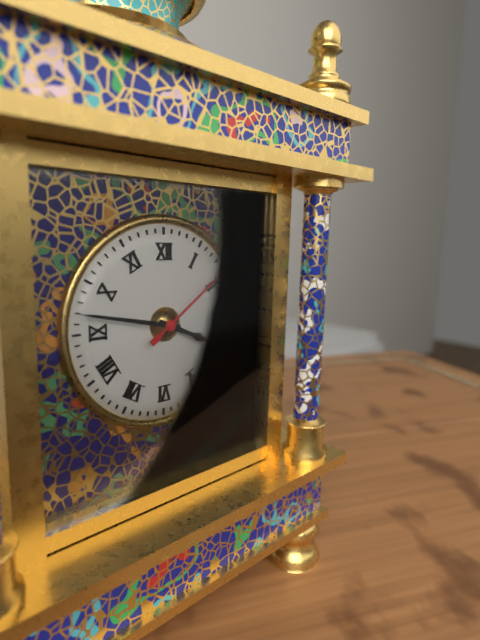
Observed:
{"hour": 3, "minute": 47, "second": 9}
